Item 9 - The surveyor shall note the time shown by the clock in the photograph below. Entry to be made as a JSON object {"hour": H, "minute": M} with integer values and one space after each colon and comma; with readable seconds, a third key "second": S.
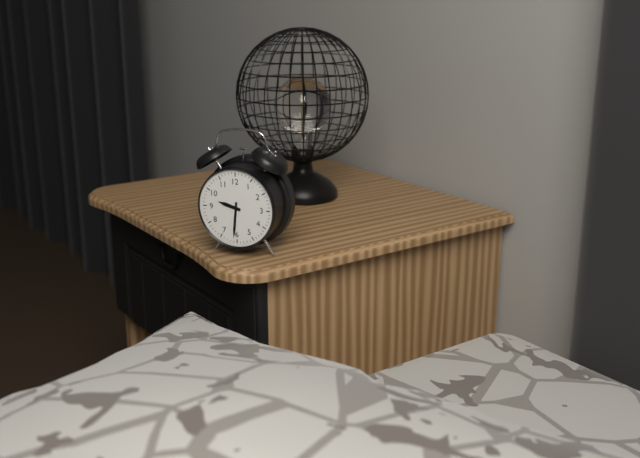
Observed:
{"hour": 9, "minute": 31}
